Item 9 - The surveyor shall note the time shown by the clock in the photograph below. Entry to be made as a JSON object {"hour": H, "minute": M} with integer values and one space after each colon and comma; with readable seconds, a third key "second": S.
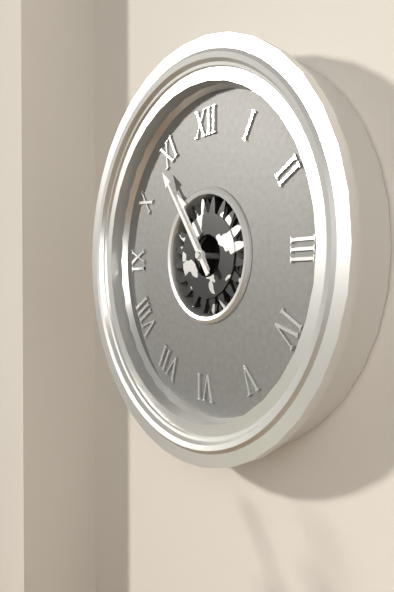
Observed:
{"hour": 10, "minute": 54}
